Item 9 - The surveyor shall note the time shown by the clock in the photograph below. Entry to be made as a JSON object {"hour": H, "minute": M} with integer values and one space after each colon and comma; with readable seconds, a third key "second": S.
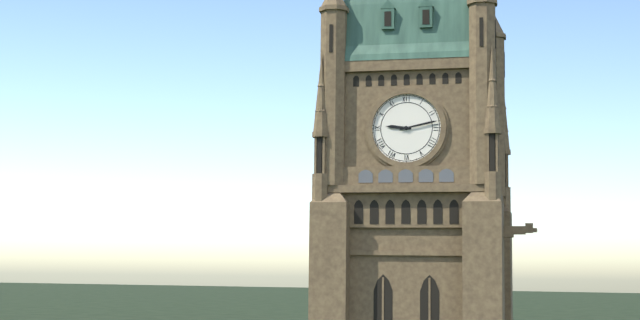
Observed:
{"hour": 9, "minute": 13}
